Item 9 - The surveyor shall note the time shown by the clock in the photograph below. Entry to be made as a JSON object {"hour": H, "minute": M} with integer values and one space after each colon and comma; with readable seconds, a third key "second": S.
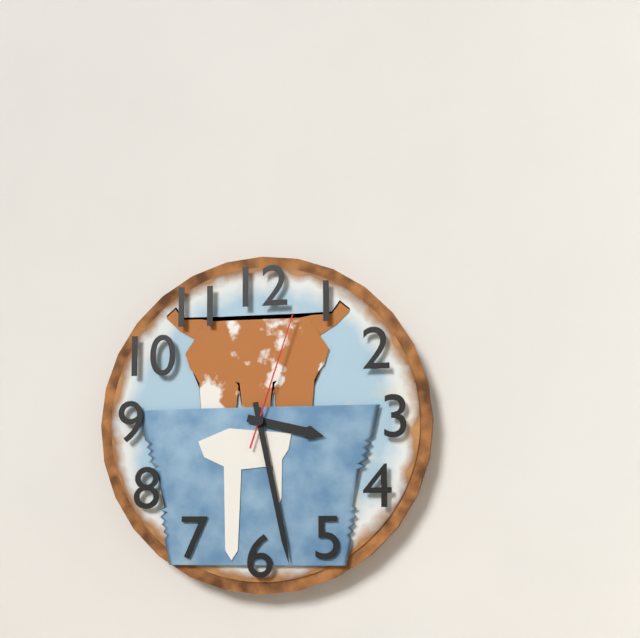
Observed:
{"hour": 3, "minute": 28, "second": 3}
